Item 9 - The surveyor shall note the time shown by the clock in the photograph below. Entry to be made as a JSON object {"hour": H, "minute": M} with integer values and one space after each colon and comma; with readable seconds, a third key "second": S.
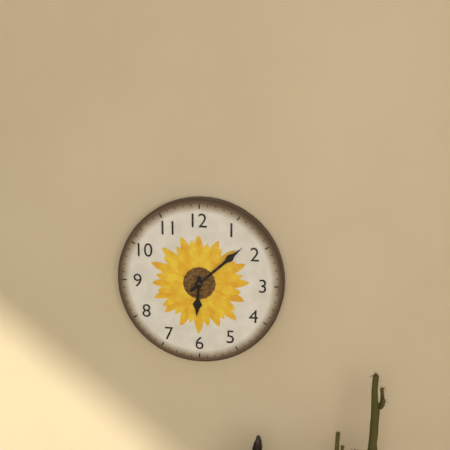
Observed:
{"hour": 6, "minute": 8}
